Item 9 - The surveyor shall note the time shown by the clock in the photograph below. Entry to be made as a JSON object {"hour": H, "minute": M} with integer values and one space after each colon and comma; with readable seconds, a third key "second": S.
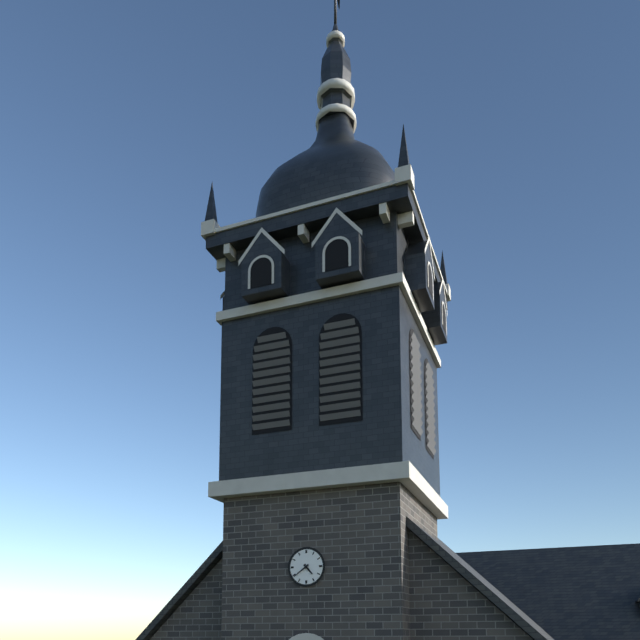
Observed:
{"hour": 4, "minute": 39}
